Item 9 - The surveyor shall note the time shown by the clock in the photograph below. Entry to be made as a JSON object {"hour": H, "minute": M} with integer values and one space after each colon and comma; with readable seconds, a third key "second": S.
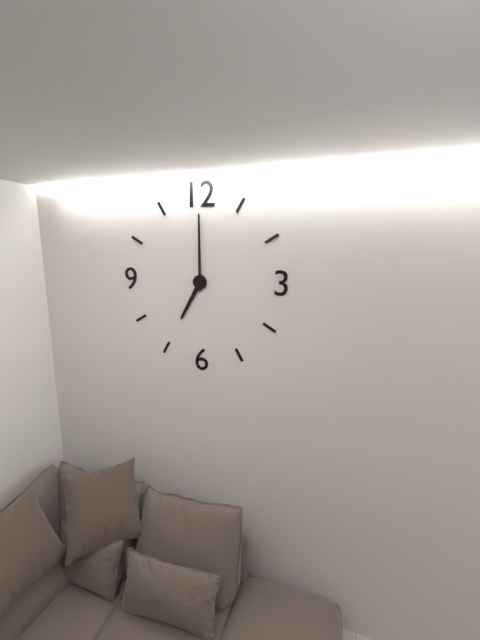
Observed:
{"hour": 7, "minute": 0}
